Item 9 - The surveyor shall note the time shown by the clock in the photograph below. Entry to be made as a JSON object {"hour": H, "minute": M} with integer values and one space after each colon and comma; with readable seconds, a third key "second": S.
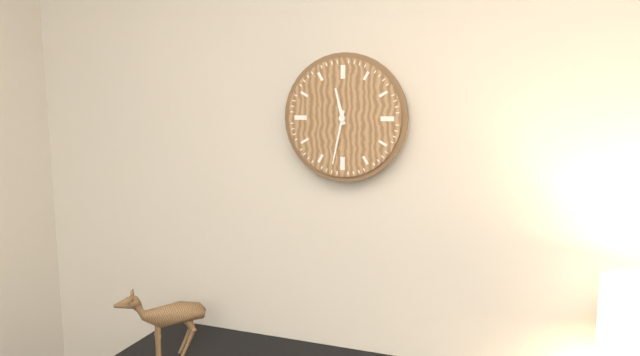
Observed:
{"hour": 11, "minute": 32}
